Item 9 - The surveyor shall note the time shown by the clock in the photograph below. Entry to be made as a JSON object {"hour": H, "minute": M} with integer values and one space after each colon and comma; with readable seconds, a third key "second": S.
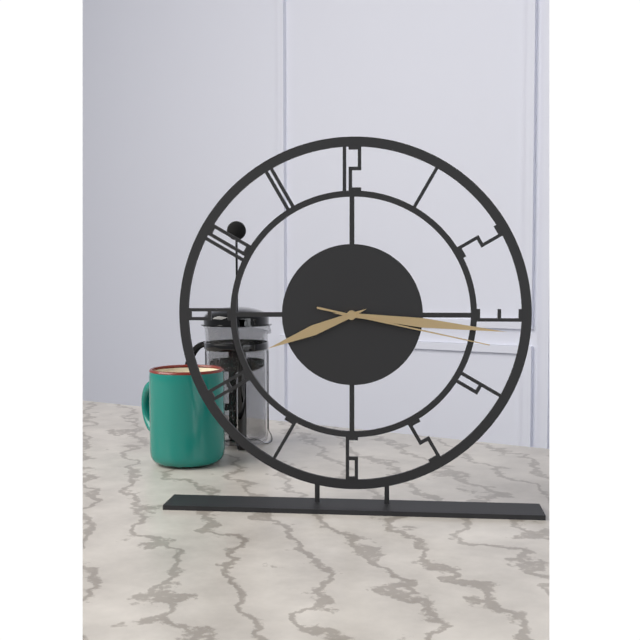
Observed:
{"hour": 8, "minute": 16, "second": 17}
